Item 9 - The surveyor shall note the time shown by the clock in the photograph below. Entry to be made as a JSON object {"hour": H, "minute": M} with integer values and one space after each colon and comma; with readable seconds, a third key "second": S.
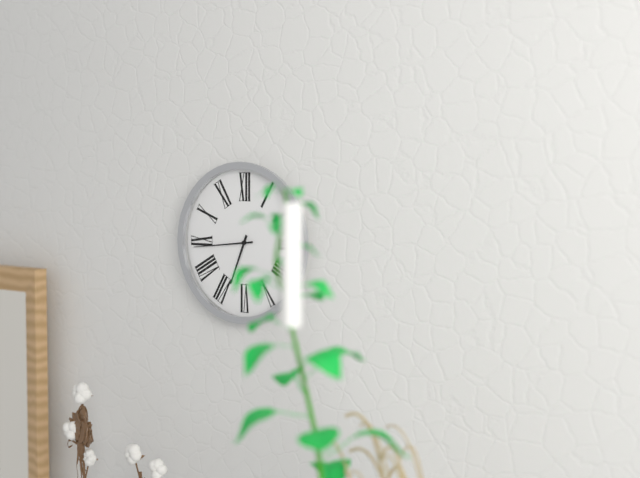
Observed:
{"hour": 6, "minute": 44}
